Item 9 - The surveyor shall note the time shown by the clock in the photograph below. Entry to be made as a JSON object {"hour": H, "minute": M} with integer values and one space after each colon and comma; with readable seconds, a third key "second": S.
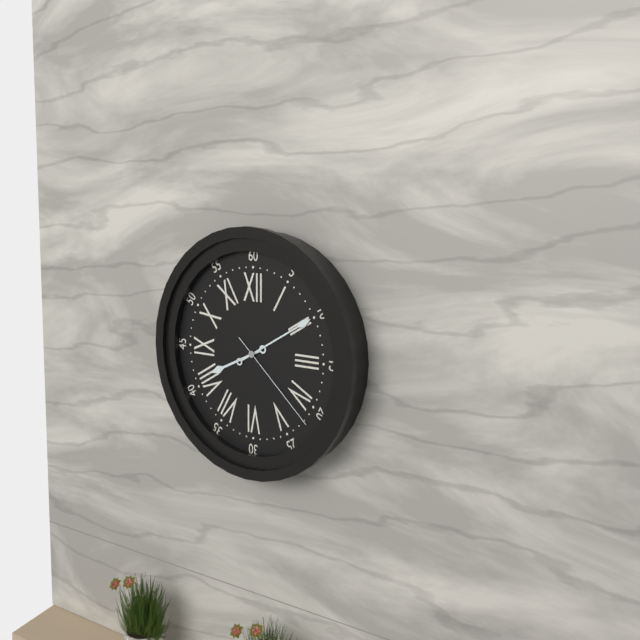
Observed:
{"hour": 8, "minute": 10, "second": 22}
